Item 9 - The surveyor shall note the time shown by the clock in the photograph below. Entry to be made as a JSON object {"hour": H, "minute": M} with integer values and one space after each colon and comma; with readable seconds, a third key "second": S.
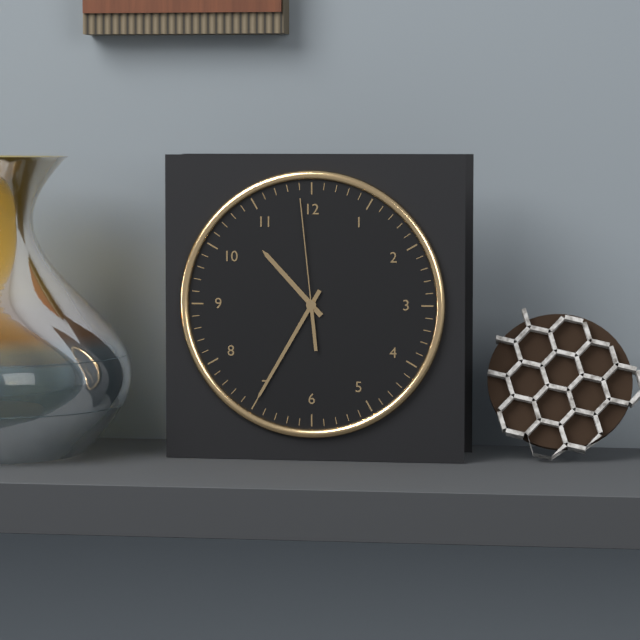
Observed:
{"hour": 10, "minute": 35, "second": 59}
